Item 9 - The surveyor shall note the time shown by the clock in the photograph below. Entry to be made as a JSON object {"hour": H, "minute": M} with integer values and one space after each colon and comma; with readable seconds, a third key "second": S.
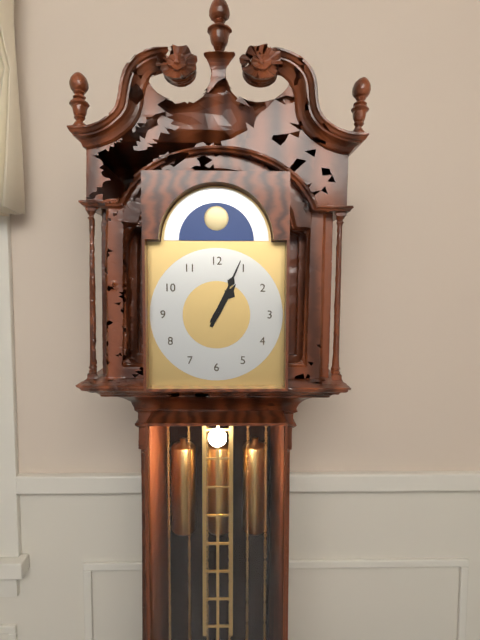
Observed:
{"hour": 1, "minute": 4}
